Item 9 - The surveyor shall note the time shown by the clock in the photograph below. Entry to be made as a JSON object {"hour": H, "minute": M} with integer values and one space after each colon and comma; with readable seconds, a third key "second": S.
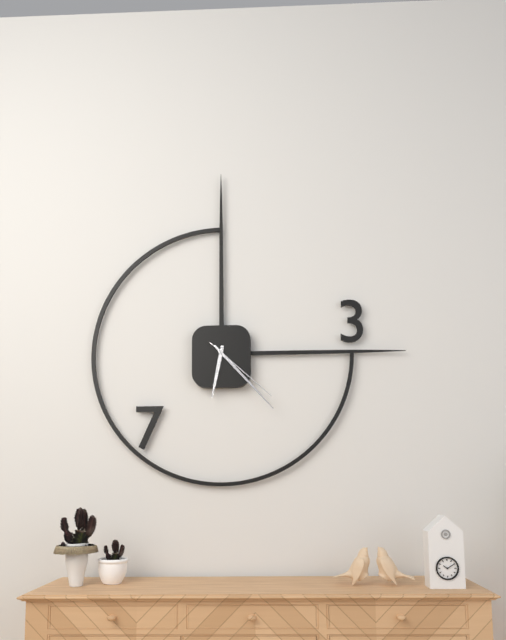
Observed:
{"hour": 6, "minute": 23, "second": 22}
